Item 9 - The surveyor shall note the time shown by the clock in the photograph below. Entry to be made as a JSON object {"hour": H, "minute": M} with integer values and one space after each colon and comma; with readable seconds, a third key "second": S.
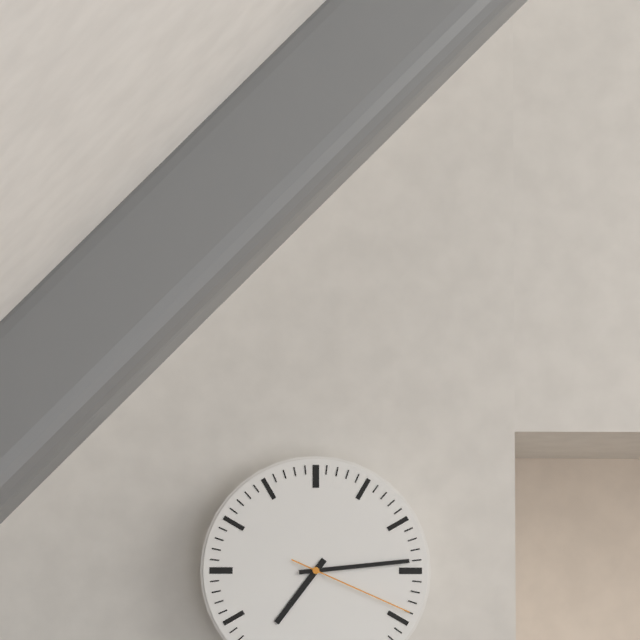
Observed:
{"hour": 7, "minute": 14, "second": 19}
